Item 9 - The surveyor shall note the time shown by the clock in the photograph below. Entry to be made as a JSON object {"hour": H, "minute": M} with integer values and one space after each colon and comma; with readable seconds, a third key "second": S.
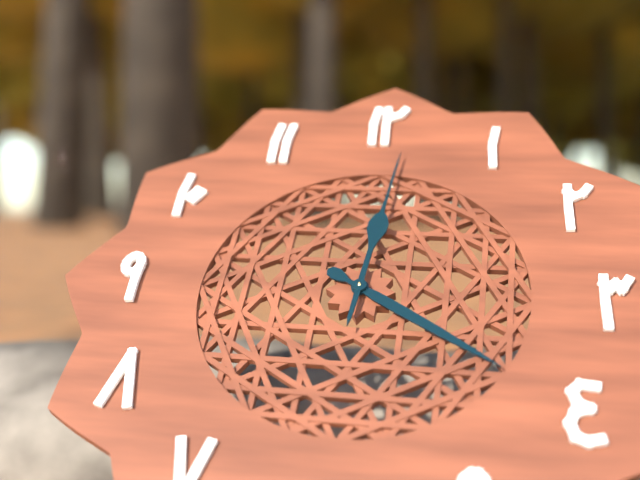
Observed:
{"hour": 4, "minute": 1}
